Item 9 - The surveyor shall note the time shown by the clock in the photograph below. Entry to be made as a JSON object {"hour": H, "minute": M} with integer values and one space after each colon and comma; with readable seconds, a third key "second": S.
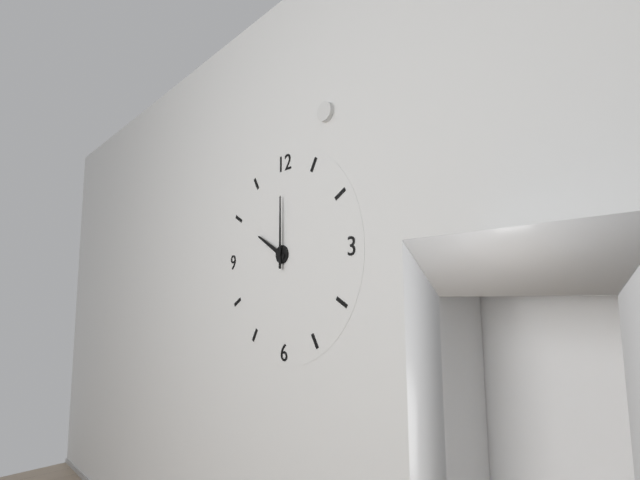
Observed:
{"hour": 10, "minute": 0}
